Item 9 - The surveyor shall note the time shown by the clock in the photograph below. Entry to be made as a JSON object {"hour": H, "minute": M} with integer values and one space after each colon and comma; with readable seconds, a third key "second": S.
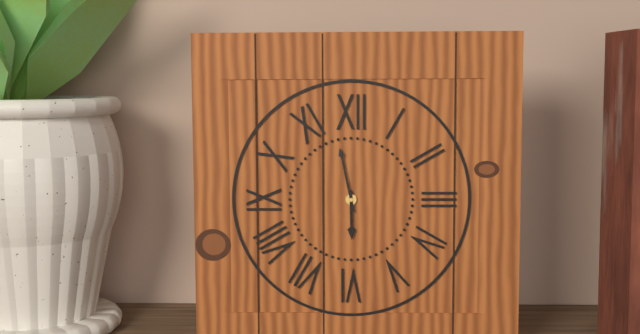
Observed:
{"hour": 5, "minute": 58}
